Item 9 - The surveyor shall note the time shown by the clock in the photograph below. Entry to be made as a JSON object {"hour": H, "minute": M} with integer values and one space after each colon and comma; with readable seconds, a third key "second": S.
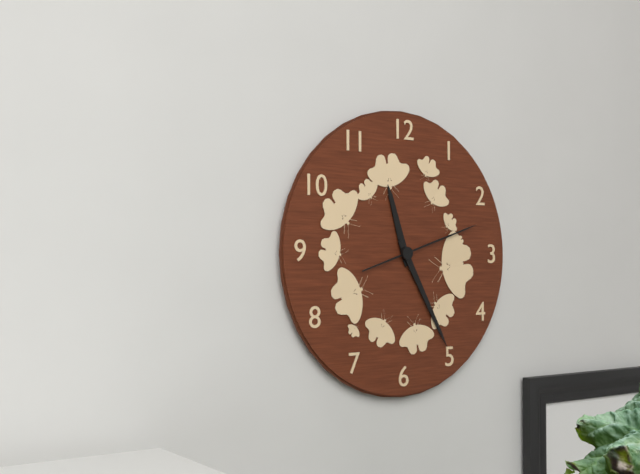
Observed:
{"hour": 11, "minute": 25, "second": 12}
